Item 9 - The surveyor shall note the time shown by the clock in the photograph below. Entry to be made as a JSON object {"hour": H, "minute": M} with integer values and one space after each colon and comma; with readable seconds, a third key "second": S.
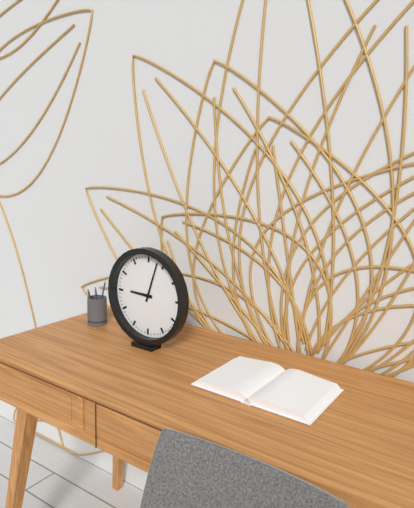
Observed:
{"hour": 9, "minute": 3}
